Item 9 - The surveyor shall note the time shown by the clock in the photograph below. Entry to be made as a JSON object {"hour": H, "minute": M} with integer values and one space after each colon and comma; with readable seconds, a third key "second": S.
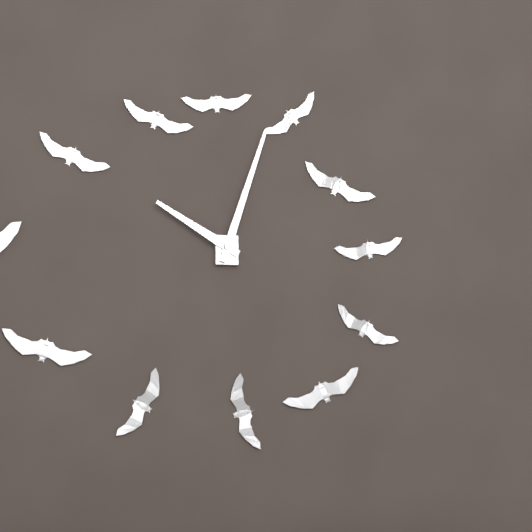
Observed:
{"hour": 10, "minute": 3}
